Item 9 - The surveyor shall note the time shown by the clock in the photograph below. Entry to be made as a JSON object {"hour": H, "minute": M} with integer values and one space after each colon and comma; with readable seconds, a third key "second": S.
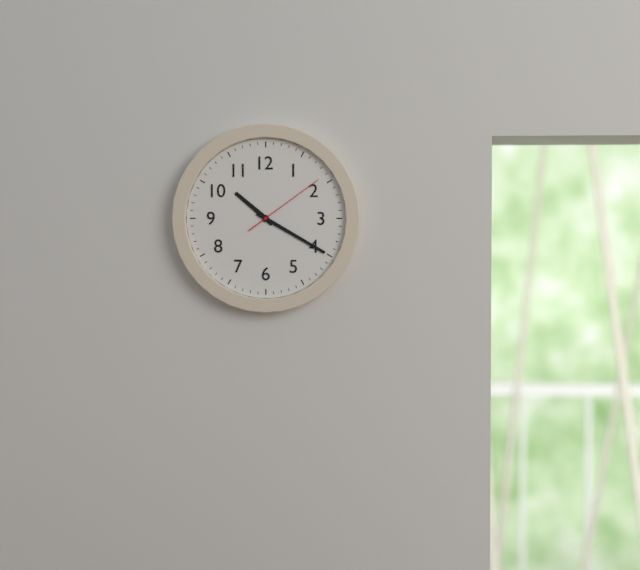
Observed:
{"hour": 10, "minute": 20, "second": 9}
